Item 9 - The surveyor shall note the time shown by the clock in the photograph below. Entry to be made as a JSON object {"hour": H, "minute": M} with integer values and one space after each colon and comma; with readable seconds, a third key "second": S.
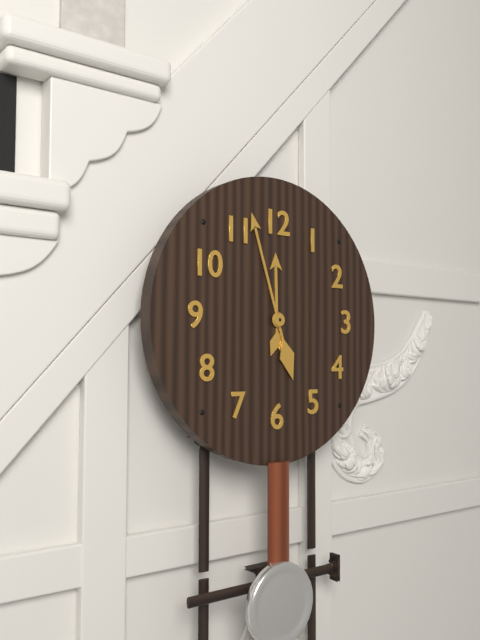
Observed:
{"hour": 11, "minute": 57}
